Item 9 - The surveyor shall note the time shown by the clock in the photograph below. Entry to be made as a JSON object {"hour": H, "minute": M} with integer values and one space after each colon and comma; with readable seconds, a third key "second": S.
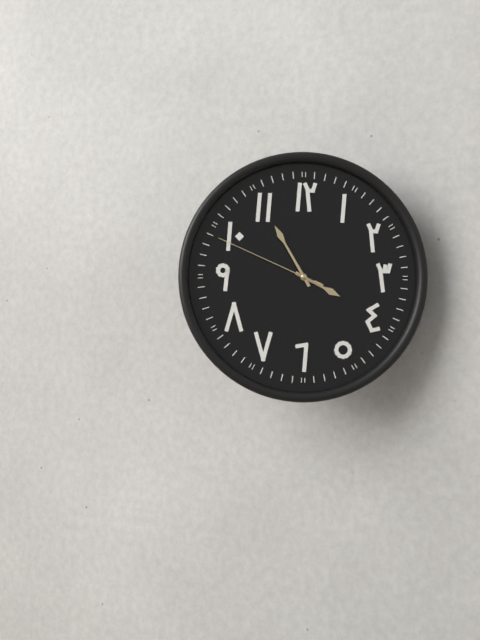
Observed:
{"hour": 3, "minute": 55, "second": 49}
